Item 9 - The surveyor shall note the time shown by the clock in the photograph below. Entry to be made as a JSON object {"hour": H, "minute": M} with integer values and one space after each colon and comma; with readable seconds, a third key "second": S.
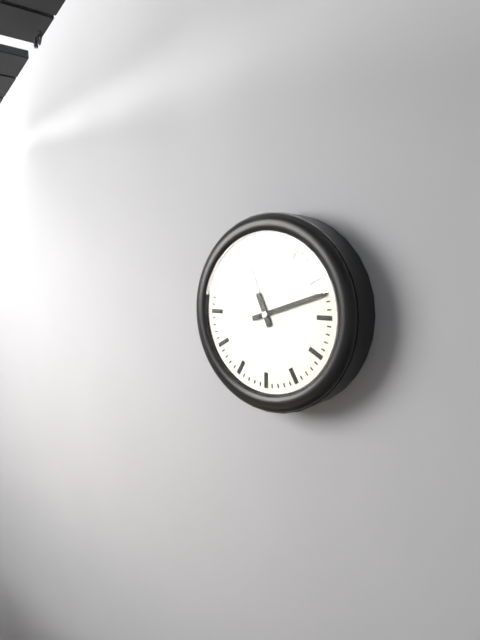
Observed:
{"hour": 11, "minute": 12}
